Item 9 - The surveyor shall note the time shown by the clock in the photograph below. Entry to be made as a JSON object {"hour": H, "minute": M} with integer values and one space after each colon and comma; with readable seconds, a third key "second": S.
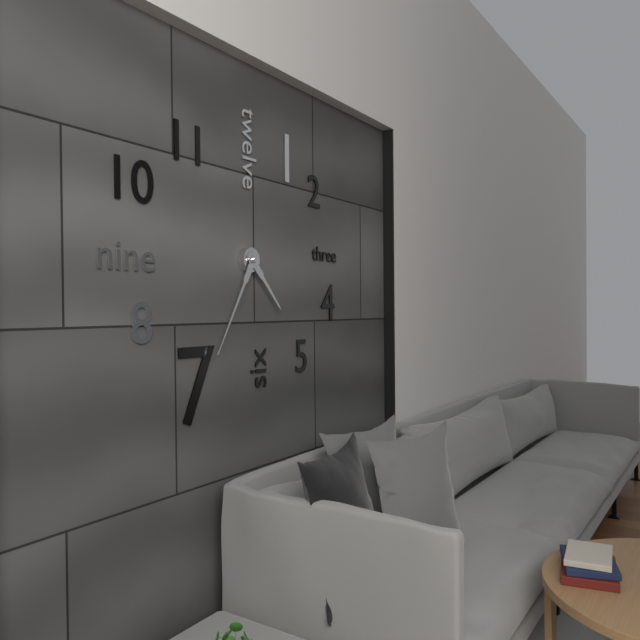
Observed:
{"hour": 4, "minute": 35}
